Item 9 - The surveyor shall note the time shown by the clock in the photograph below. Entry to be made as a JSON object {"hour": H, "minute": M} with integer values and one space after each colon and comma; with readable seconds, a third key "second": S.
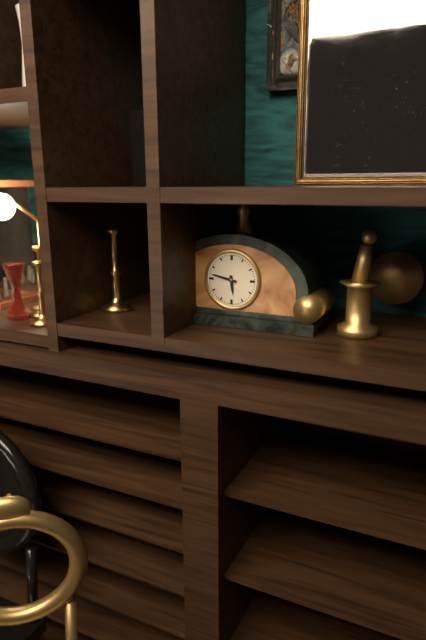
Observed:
{"hour": 5, "minute": 47}
